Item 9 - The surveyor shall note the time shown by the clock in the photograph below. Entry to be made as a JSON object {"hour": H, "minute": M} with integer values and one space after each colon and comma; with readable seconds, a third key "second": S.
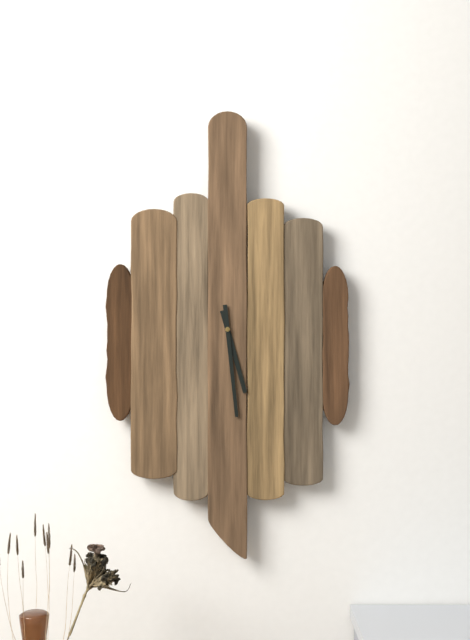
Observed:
{"hour": 5, "minute": 29}
